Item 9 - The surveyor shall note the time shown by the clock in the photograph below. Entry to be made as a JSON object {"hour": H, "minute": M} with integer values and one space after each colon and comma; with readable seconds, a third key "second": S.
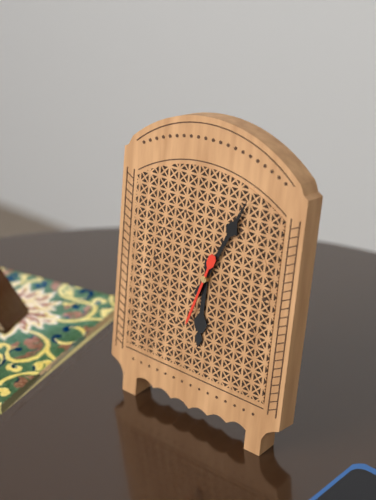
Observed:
{"hour": 6, "minute": 4, "second": 33}
